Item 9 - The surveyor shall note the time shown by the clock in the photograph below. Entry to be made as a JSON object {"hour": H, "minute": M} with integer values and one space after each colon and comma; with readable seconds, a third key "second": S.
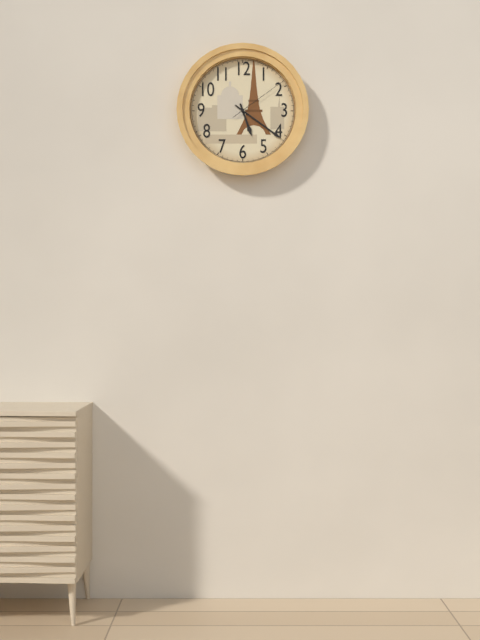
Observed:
{"hour": 5, "minute": 21, "second": 9}
